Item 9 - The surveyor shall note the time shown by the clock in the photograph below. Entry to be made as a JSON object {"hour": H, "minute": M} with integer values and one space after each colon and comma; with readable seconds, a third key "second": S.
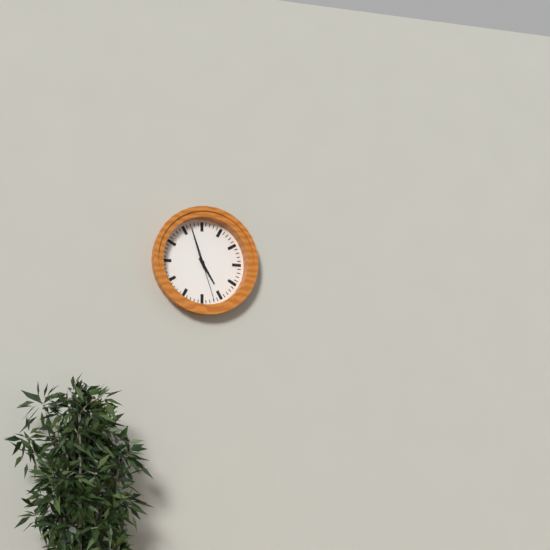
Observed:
{"hour": 4, "minute": 57}
